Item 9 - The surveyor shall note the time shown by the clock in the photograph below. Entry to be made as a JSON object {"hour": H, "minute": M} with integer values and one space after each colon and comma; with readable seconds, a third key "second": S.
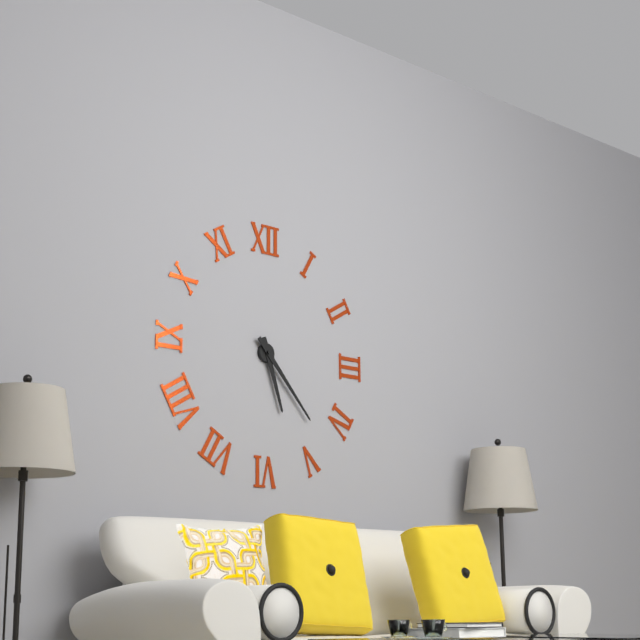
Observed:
{"hour": 5, "minute": 23}
